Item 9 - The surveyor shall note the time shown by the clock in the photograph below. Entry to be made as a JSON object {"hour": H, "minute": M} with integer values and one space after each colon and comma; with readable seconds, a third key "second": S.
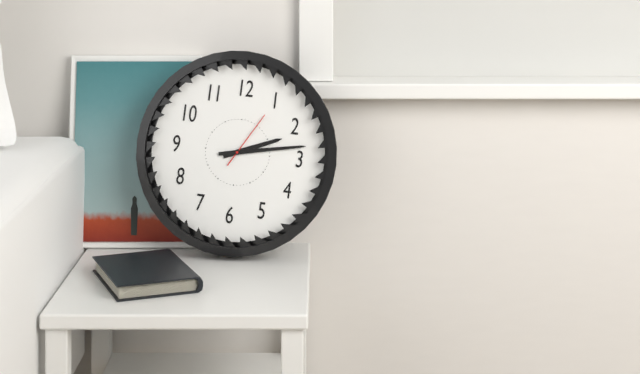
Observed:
{"hour": 2, "minute": 13, "second": 5}
